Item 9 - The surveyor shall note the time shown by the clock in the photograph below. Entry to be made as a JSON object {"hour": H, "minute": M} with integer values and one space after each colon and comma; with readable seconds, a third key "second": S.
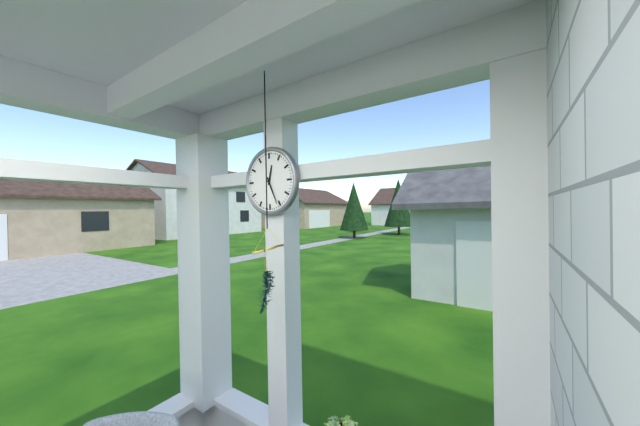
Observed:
{"hour": 12, "minute": 26}
